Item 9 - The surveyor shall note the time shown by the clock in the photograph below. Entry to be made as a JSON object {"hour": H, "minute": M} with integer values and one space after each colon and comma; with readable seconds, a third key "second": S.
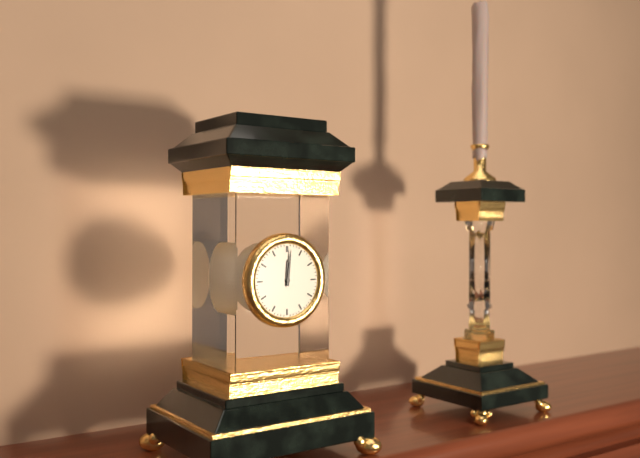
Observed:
{"hour": 12, "minute": 1}
